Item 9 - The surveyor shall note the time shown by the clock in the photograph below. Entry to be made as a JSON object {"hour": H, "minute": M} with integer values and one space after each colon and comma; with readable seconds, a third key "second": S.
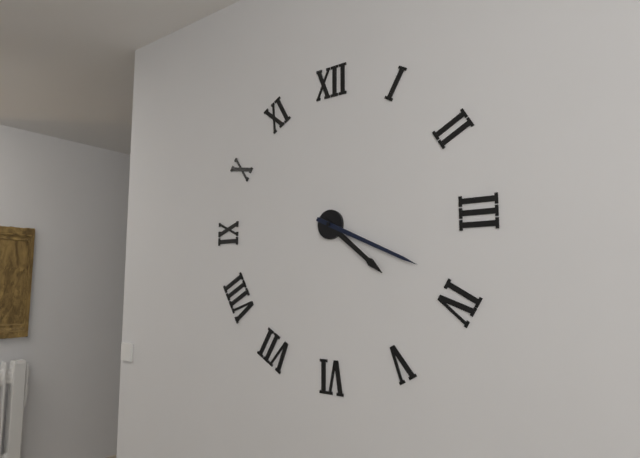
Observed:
{"hour": 4, "minute": 19}
